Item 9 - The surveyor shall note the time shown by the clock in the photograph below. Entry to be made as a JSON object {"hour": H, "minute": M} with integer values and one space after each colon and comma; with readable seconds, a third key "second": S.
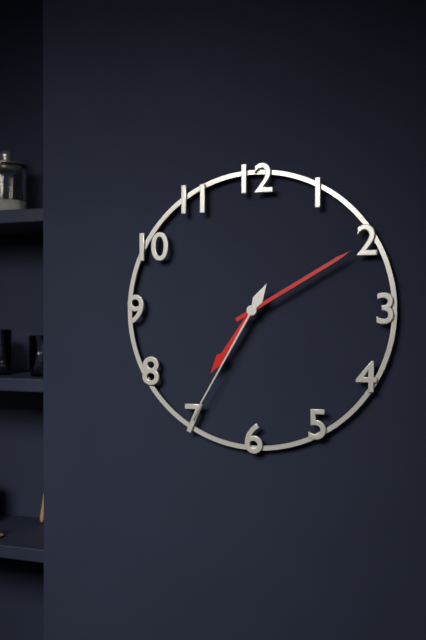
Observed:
{"hour": 7, "minute": 10, "second": 35}
